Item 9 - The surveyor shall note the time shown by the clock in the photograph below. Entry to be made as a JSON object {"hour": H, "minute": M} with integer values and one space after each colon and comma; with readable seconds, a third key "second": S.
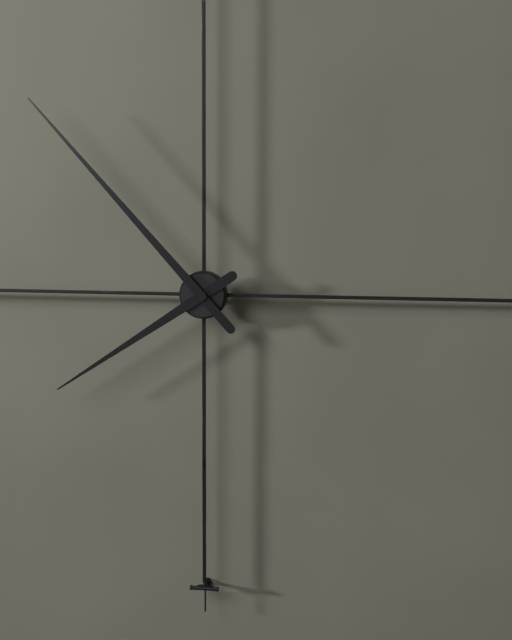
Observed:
{"hour": 7, "minute": 53}
